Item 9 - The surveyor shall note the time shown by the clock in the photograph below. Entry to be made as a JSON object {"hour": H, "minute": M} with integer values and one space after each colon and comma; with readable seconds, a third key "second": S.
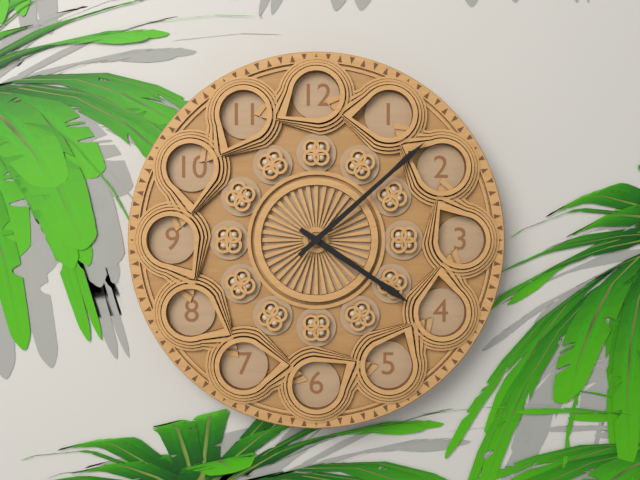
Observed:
{"hour": 4, "minute": 8}
